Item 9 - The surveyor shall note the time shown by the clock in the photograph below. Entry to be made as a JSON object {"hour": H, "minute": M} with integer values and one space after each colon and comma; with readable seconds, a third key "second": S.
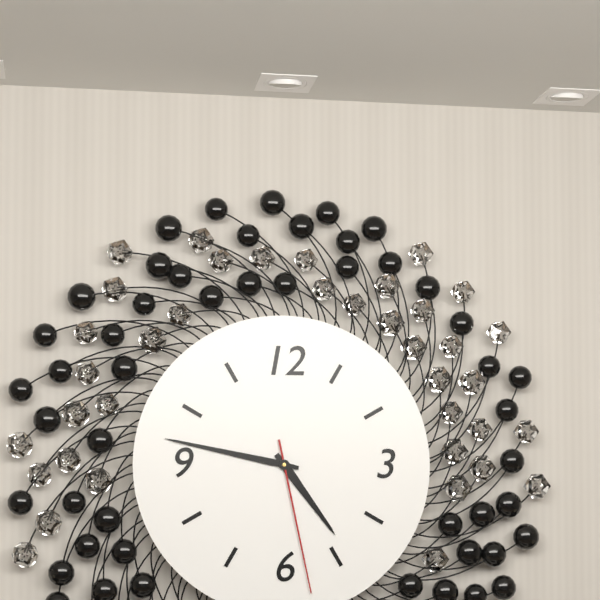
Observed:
{"hour": 4, "minute": 47, "second": 28}
